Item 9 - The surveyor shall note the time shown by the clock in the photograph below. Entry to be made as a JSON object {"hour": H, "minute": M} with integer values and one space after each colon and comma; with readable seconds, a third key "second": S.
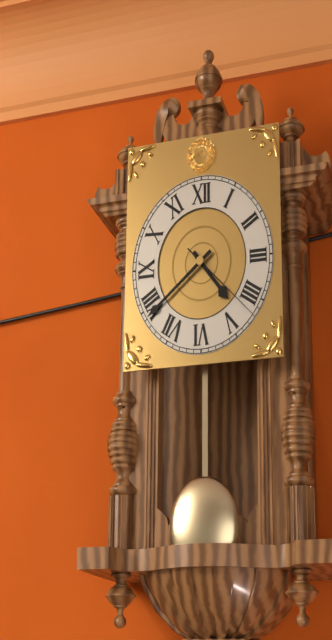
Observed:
{"hour": 4, "minute": 39, "second": 22}
